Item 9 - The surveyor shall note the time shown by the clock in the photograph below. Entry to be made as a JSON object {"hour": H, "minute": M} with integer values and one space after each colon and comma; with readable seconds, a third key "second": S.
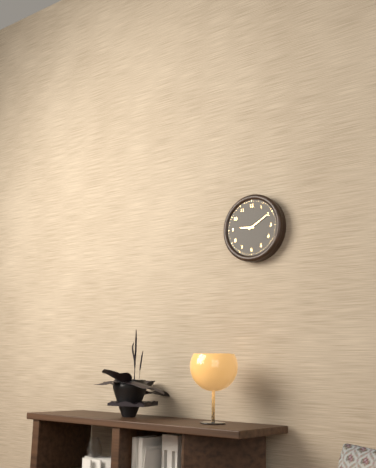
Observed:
{"hour": 9, "minute": 10}
